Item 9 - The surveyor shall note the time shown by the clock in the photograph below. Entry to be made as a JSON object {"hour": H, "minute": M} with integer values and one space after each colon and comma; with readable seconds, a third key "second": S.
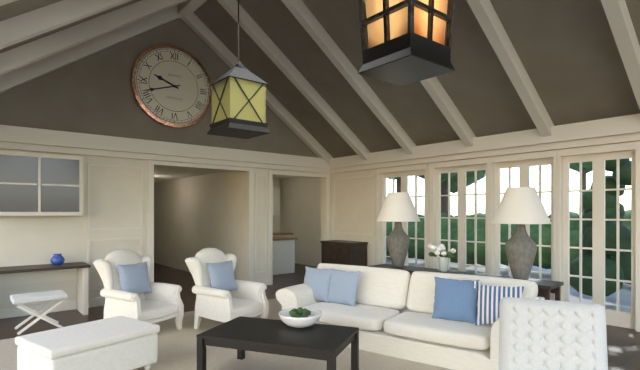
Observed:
{"hour": 9, "minute": 42}
